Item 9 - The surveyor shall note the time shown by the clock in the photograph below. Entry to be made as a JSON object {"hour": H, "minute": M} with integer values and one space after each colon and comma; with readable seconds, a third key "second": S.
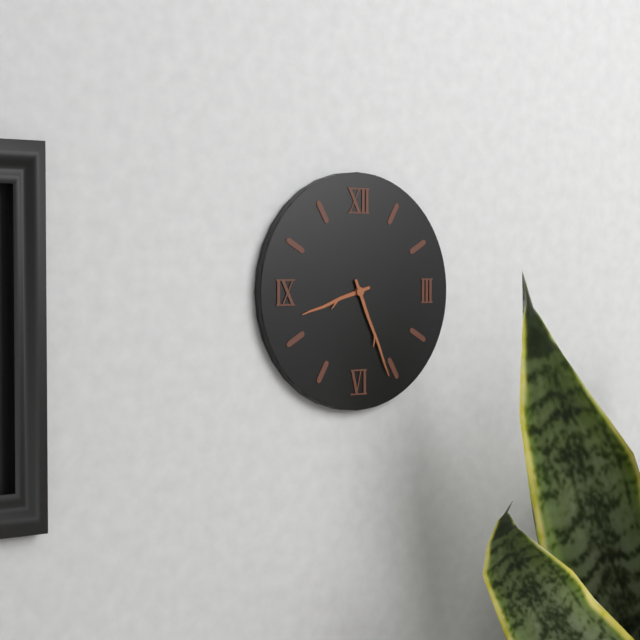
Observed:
{"hour": 8, "minute": 26}
